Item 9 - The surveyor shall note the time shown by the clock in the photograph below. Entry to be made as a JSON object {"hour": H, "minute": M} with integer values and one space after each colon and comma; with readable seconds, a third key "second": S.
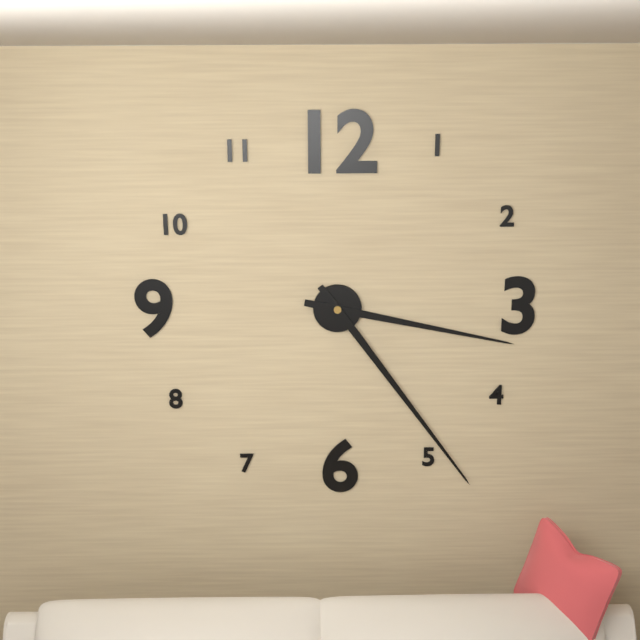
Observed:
{"hour": 3, "minute": 24}
